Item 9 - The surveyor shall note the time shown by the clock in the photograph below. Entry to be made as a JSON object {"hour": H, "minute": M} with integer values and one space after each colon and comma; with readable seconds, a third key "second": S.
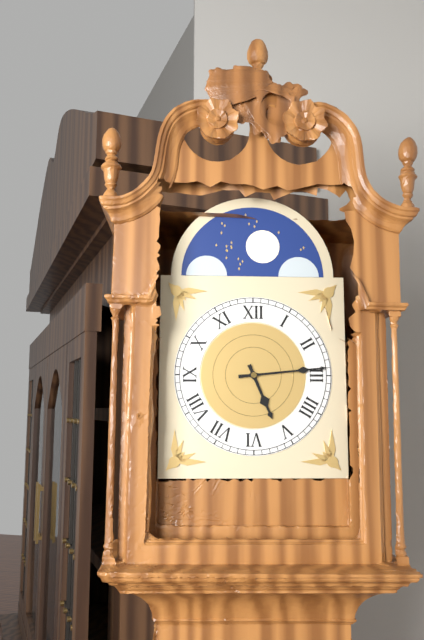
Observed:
{"hour": 5, "minute": 14}
